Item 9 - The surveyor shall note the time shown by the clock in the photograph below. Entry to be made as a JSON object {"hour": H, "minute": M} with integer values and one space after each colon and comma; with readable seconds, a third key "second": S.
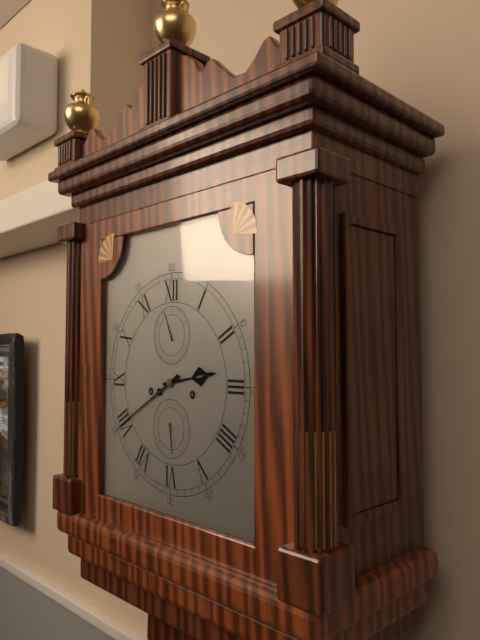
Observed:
{"hour": 2, "minute": 40}
